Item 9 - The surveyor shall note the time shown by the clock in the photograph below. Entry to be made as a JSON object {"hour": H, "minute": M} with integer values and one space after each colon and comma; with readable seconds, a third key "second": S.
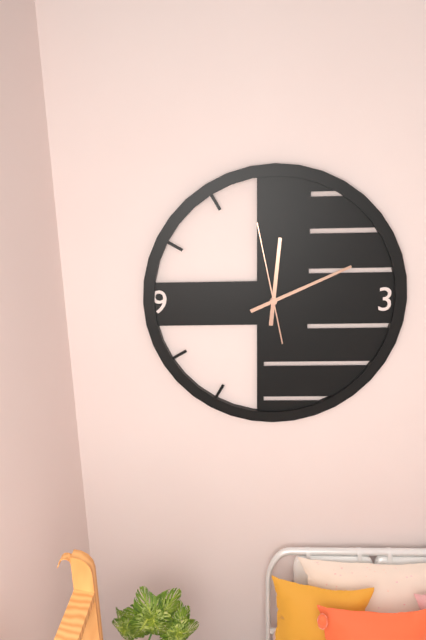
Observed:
{"hour": 12, "minute": 11, "second": 58}
